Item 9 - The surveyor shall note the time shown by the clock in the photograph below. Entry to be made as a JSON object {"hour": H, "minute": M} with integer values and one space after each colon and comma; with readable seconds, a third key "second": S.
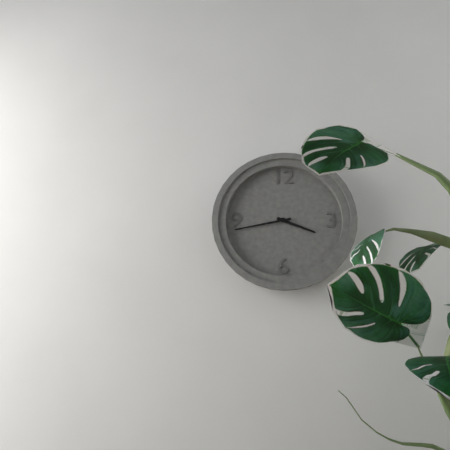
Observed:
{"hour": 3, "minute": 43}
